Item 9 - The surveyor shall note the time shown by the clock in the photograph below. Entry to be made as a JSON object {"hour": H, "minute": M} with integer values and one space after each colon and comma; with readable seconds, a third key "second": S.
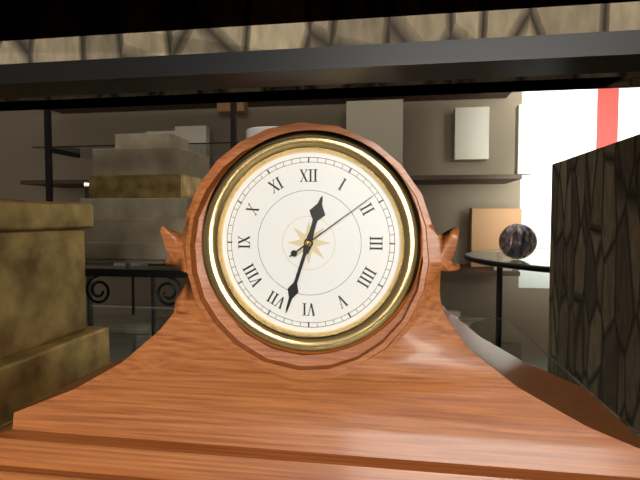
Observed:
{"hour": 12, "minute": 33, "second": 9}
